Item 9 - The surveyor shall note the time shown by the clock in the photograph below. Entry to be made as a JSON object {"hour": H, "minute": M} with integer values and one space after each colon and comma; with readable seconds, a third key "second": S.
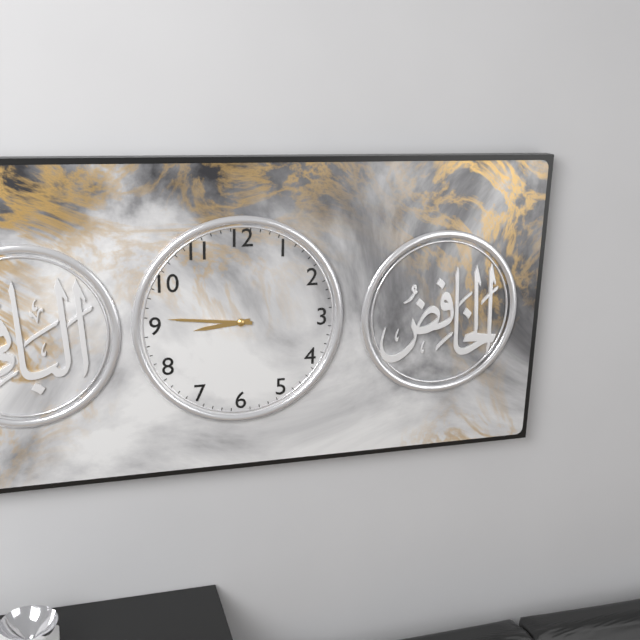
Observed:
{"hour": 8, "minute": 46}
